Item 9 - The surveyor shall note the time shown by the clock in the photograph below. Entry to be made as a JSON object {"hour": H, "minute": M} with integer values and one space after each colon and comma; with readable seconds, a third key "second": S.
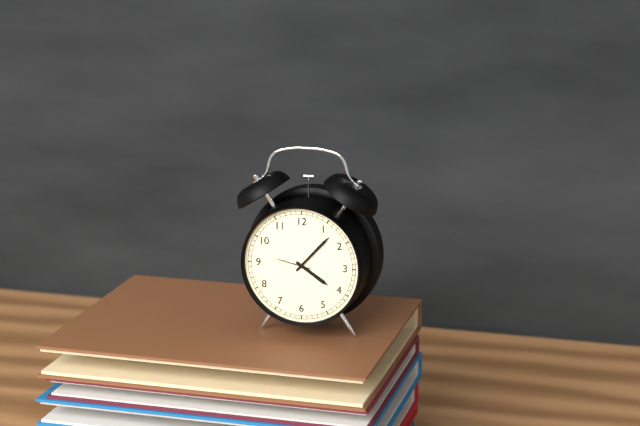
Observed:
{"hour": 4, "minute": 7}
